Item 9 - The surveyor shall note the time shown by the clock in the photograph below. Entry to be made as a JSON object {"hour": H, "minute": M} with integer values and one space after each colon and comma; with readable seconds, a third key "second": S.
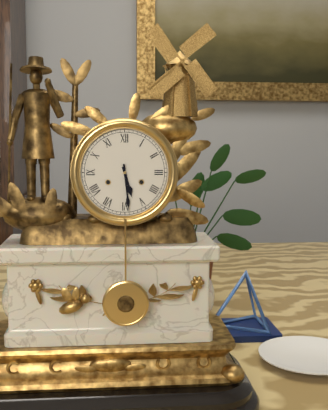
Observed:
{"hour": 5, "minute": 29}
